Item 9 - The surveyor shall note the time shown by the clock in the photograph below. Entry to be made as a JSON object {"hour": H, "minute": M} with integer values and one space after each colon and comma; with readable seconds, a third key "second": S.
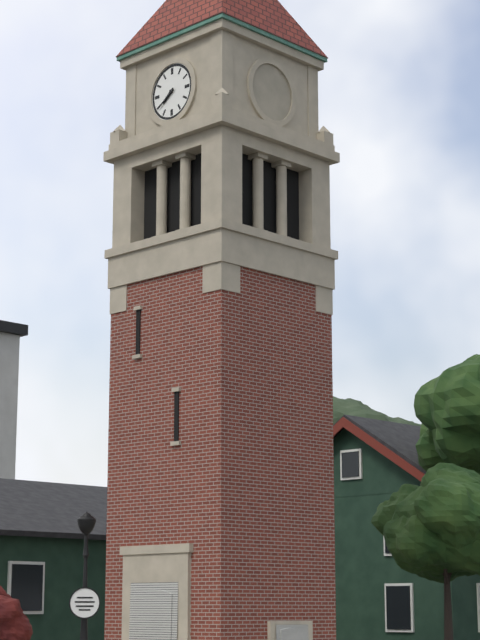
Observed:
{"hour": 7, "minute": 39}
